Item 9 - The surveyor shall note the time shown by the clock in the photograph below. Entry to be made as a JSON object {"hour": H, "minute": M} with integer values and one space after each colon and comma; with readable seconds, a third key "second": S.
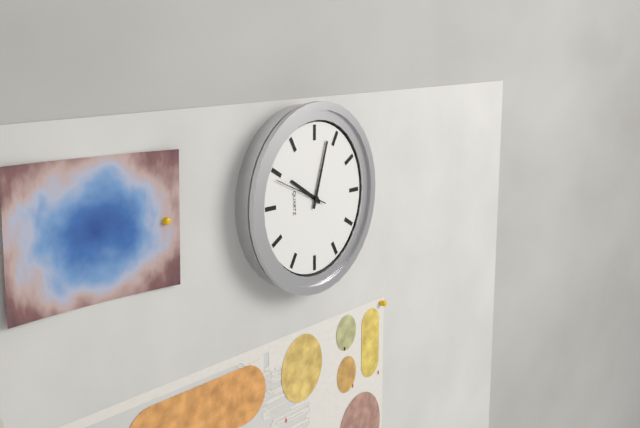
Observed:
{"hour": 10, "minute": 3, "second": 49}
